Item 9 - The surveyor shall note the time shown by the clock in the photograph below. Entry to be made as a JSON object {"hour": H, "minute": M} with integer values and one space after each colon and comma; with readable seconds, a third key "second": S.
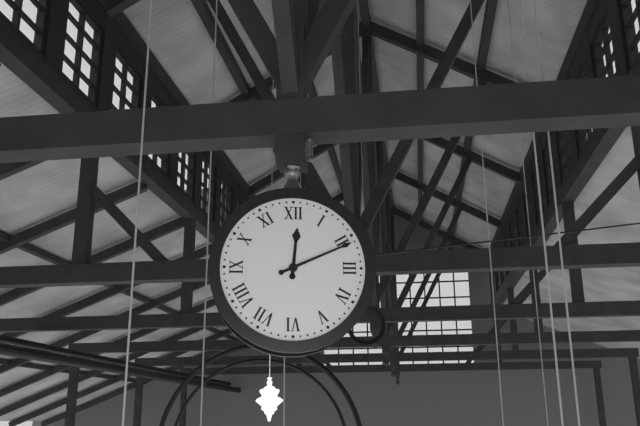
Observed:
{"hour": 12, "minute": 11}
